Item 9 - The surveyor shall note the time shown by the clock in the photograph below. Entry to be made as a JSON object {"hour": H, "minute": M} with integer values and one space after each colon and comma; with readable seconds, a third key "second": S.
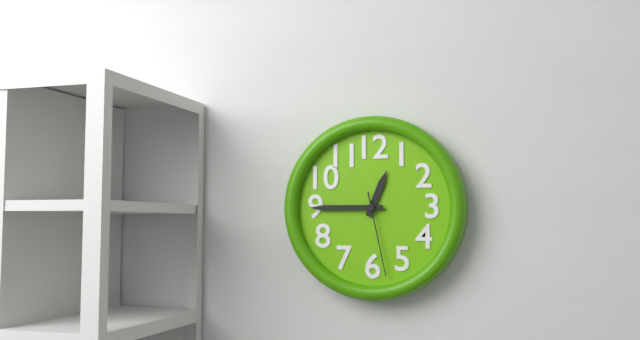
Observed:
{"hour": 12, "minute": 45, "second": 28}
